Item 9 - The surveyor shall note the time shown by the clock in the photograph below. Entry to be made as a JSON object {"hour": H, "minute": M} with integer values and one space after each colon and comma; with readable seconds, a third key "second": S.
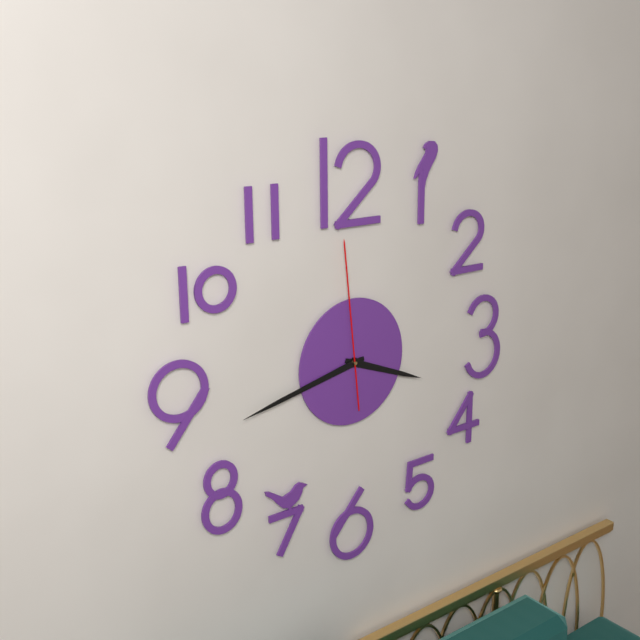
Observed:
{"hour": 3, "minute": 43, "second": 59}
